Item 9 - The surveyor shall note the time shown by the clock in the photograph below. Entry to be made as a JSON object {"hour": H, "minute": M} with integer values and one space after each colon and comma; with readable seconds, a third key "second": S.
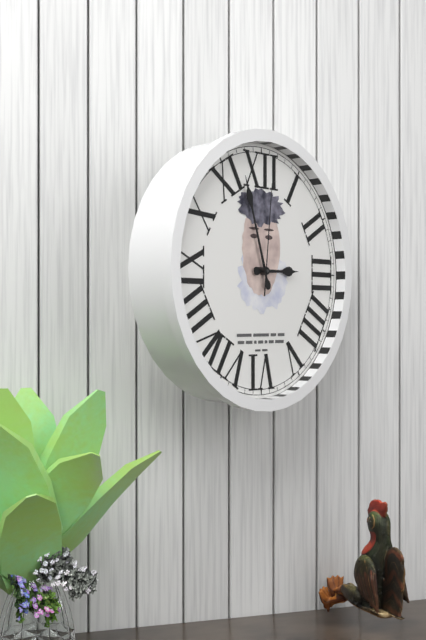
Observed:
{"hour": 2, "minute": 57, "second": 1}
